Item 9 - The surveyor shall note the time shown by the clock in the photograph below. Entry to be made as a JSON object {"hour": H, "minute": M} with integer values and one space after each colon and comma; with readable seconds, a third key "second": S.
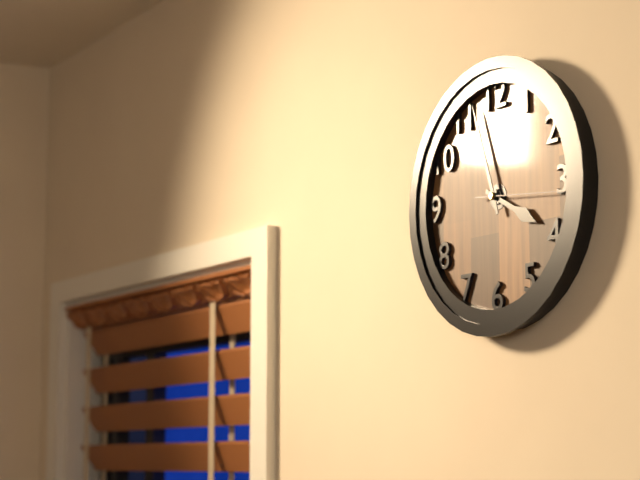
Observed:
{"hour": 3, "minute": 57, "second": 16}
